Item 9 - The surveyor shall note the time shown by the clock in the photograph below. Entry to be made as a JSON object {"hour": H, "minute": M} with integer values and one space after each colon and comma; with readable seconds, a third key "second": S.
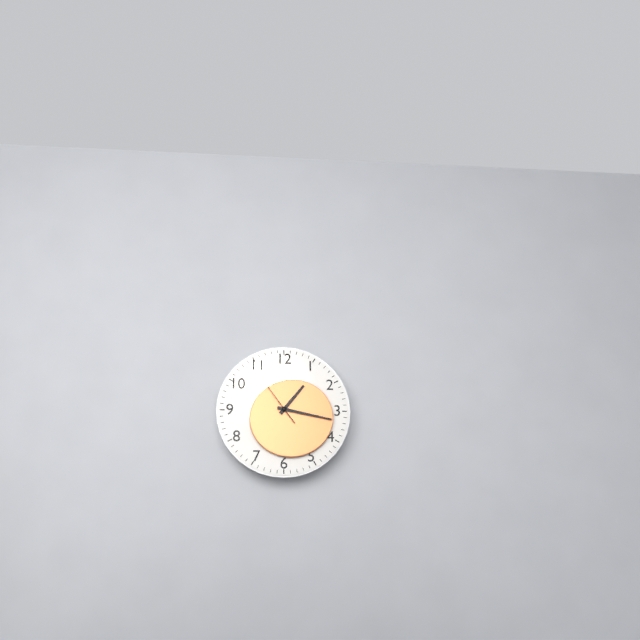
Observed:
{"hour": 1, "minute": 17, "second": 54}
